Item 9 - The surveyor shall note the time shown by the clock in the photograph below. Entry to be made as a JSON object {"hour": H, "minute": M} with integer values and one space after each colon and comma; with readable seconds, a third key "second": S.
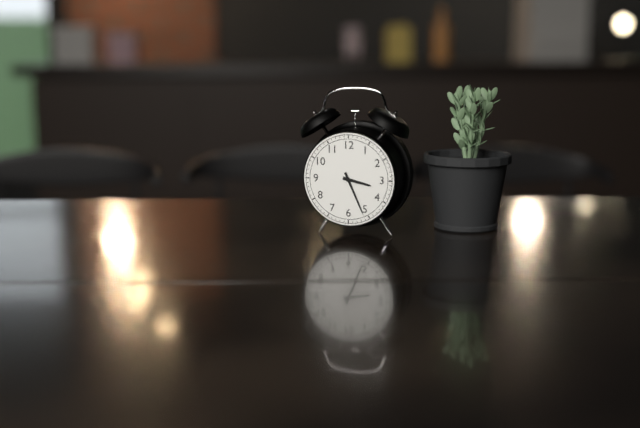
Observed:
{"hour": 3, "minute": 26}
